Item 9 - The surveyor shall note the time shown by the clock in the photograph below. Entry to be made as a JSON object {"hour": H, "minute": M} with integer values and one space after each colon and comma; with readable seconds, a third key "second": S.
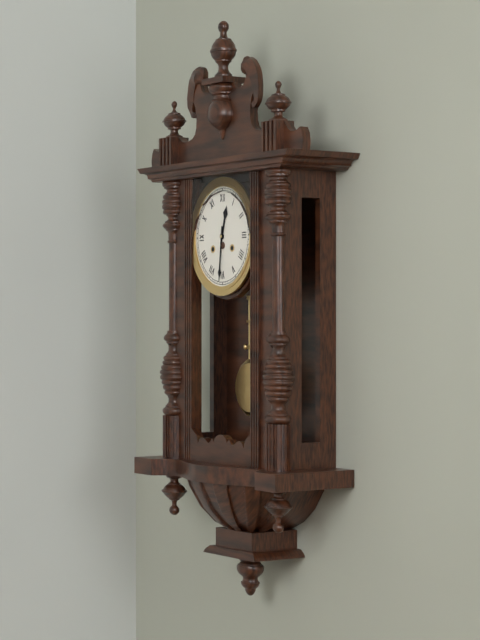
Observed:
{"hour": 12, "minute": 31}
